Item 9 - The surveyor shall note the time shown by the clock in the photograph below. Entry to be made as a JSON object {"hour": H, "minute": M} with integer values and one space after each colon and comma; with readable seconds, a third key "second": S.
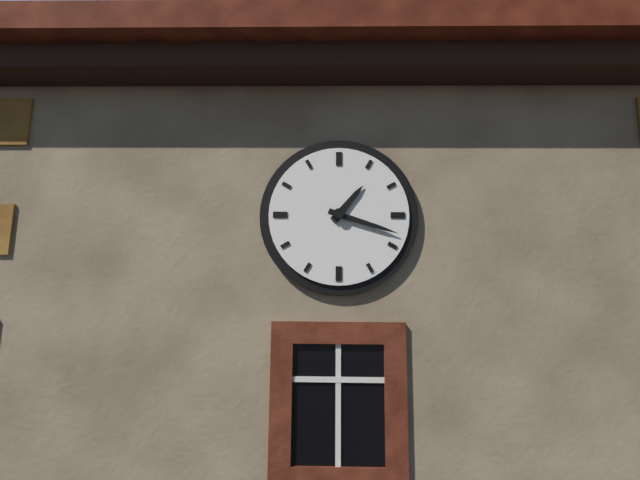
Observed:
{"hour": 1, "minute": 18}
